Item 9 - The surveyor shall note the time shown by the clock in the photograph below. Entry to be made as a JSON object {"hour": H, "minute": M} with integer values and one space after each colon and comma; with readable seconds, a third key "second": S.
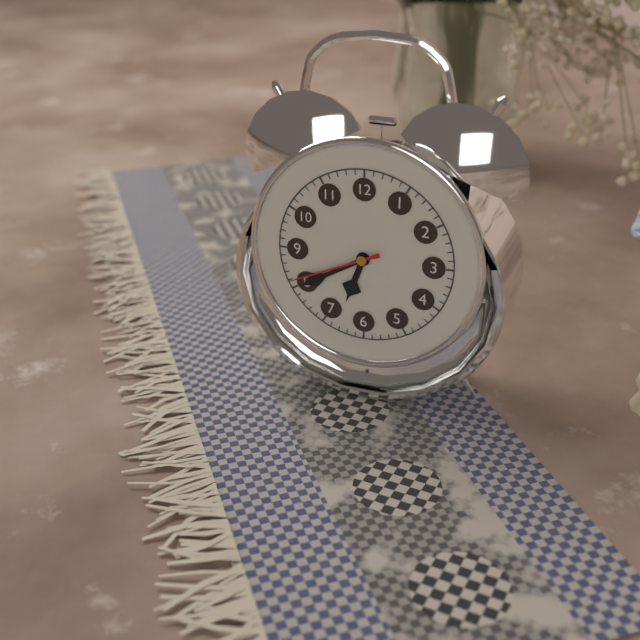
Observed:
{"hour": 6, "minute": 40, "second": 41}
